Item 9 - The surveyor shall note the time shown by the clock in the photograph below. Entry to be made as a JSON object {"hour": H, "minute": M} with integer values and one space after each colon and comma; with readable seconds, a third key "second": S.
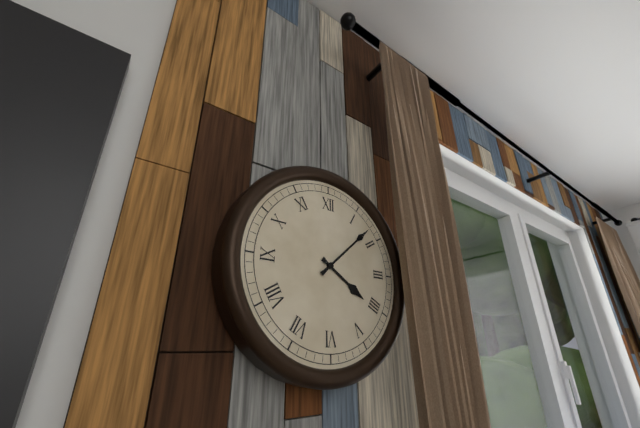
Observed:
{"hour": 4, "minute": 8}
